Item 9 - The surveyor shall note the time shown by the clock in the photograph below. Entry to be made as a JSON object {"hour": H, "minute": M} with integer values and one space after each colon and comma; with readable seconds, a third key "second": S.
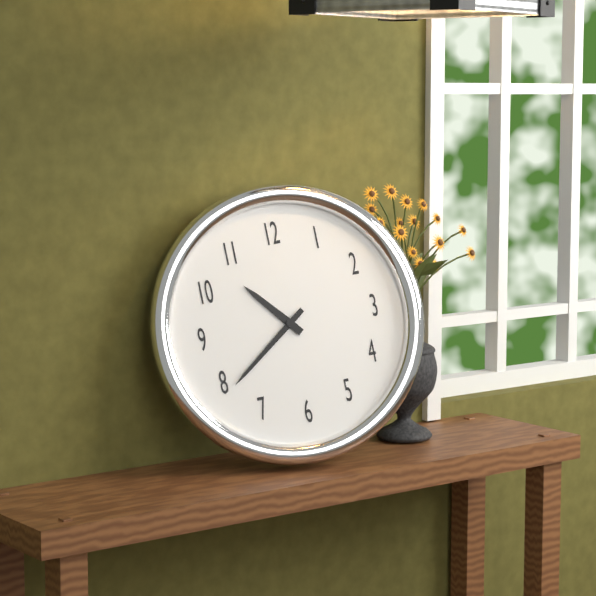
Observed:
{"hour": 10, "minute": 39}
